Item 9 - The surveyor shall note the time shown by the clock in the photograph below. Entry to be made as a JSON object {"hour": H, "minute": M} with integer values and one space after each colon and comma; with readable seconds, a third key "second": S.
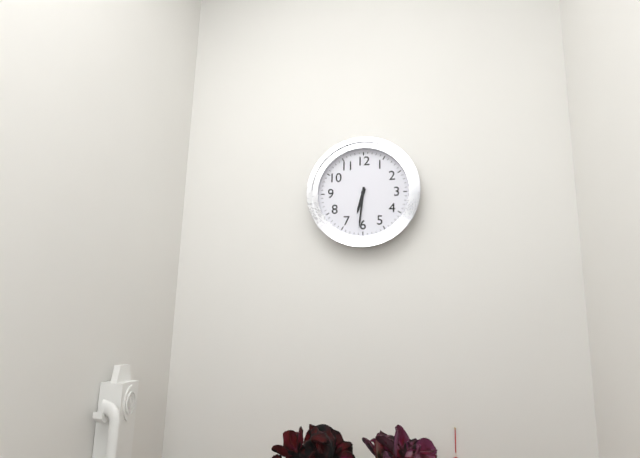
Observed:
{"hour": 6, "minute": 31}
